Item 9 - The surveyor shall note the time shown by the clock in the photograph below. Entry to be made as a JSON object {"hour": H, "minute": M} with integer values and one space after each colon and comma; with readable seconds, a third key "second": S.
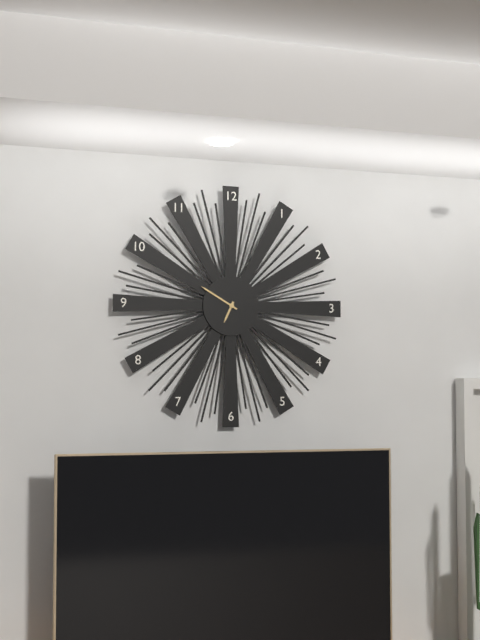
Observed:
{"hour": 6, "minute": 50}
